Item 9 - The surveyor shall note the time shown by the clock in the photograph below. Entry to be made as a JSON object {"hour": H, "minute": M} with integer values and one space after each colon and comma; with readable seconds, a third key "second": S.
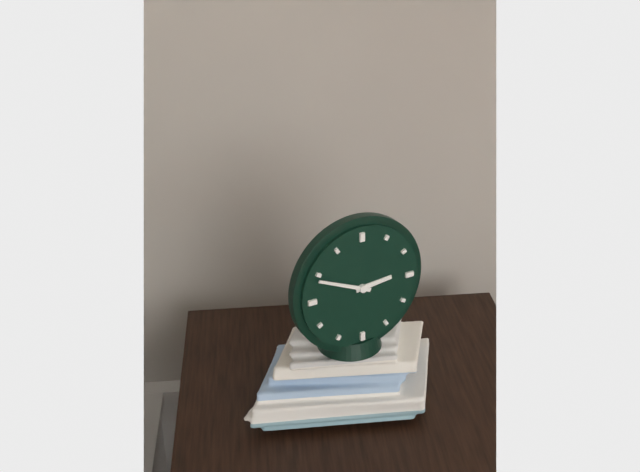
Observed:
{"hour": 2, "minute": 49}
